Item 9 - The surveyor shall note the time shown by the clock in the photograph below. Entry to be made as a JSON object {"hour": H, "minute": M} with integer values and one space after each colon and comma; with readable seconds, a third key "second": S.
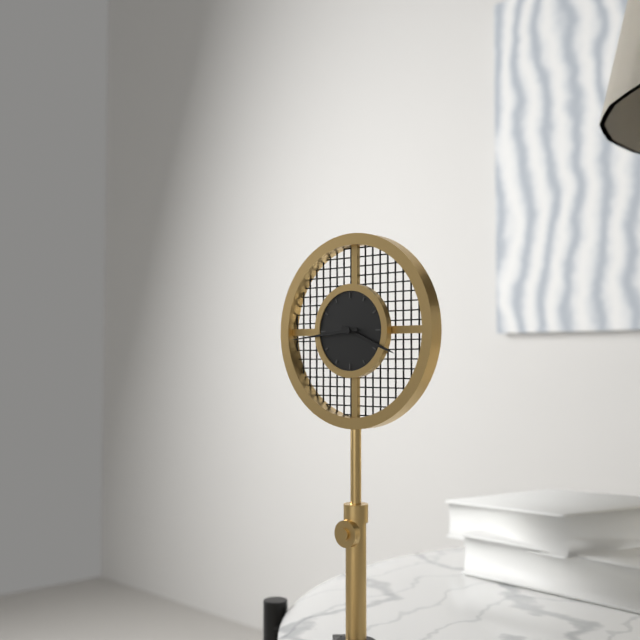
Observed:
{"hour": 3, "minute": 44}
